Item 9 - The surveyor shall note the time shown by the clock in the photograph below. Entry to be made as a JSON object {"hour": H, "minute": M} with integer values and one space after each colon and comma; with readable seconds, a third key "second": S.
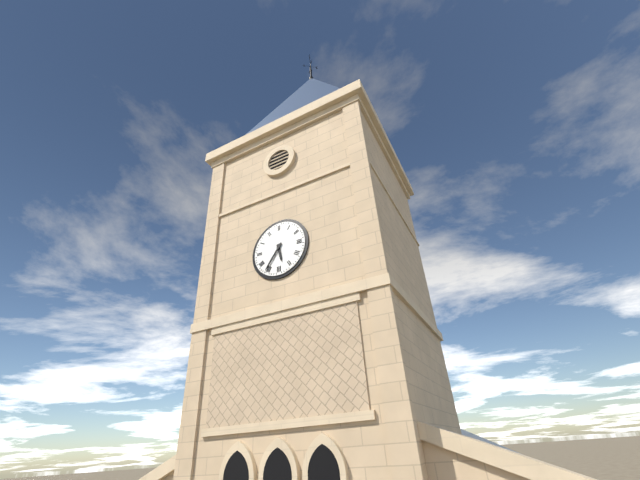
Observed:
{"hour": 5, "minute": 36}
